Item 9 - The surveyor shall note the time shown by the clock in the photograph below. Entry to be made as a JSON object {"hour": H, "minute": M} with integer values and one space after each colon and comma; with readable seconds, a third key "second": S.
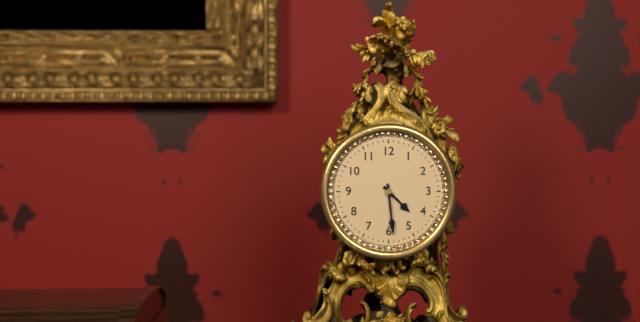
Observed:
{"hour": 4, "minute": 29}
